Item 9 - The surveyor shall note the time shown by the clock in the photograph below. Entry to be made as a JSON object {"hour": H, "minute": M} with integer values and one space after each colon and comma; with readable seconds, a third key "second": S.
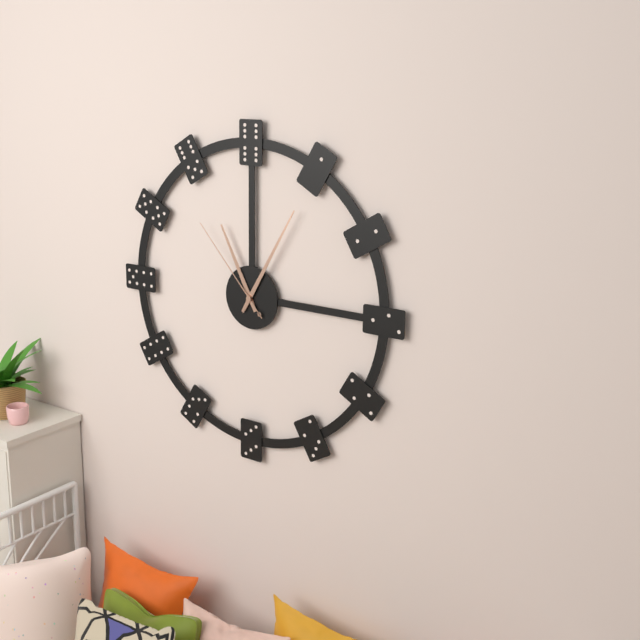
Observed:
{"hour": 11, "minute": 5, "second": 53}
